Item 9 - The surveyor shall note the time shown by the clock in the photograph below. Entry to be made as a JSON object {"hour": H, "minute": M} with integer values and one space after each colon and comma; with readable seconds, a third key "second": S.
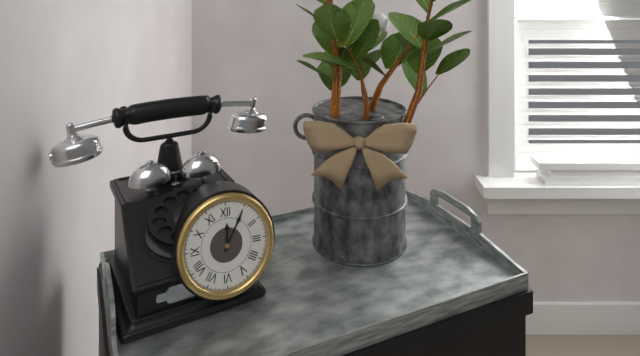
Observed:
{"hour": 12, "minute": 5}
